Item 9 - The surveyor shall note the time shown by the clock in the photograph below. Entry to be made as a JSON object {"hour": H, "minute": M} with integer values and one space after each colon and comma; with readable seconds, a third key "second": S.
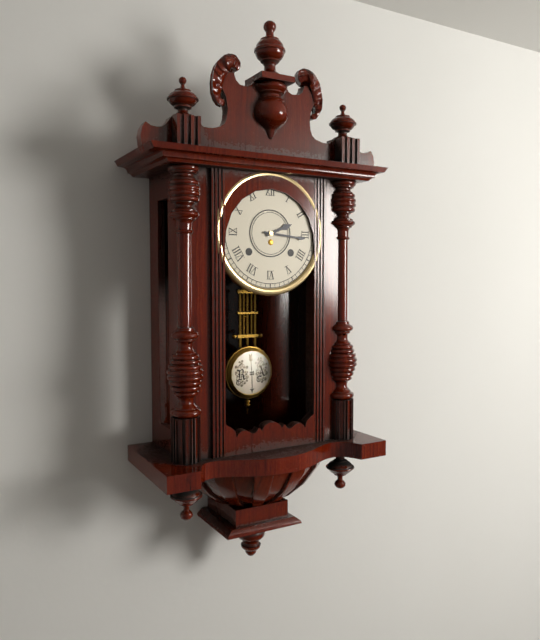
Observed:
{"hour": 2, "minute": 16}
